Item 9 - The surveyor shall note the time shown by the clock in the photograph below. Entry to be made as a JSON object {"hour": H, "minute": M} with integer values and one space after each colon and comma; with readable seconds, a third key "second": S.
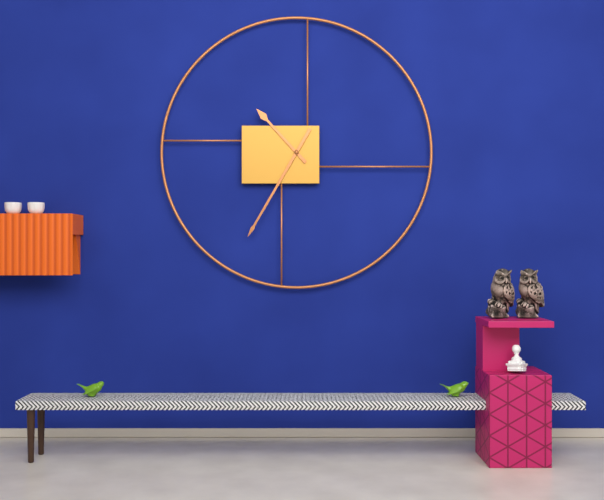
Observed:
{"hour": 10, "minute": 35}
